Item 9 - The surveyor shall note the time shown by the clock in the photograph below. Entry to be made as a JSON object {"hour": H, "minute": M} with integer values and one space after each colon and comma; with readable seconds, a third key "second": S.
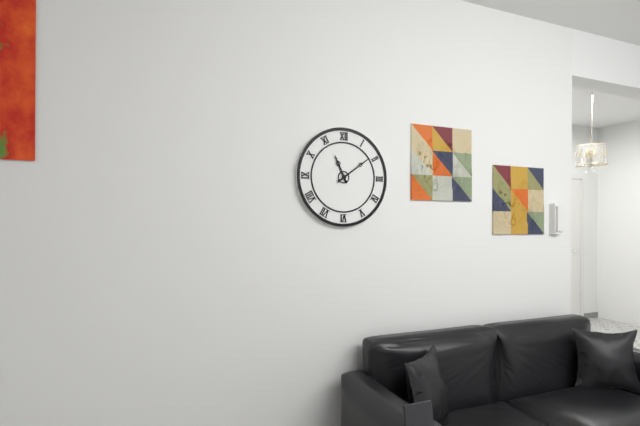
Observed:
{"hour": 11, "minute": 9}
